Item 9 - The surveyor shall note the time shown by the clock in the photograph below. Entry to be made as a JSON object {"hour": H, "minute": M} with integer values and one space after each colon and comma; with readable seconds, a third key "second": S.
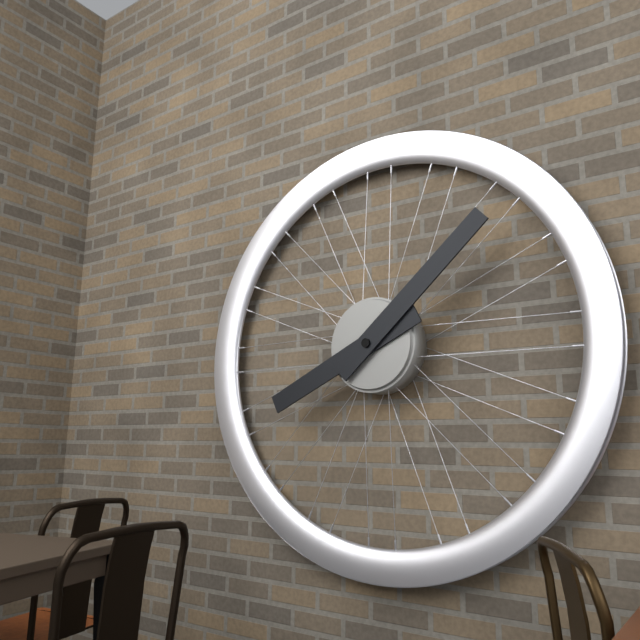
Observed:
{"hour": 8, "minute": 8}
